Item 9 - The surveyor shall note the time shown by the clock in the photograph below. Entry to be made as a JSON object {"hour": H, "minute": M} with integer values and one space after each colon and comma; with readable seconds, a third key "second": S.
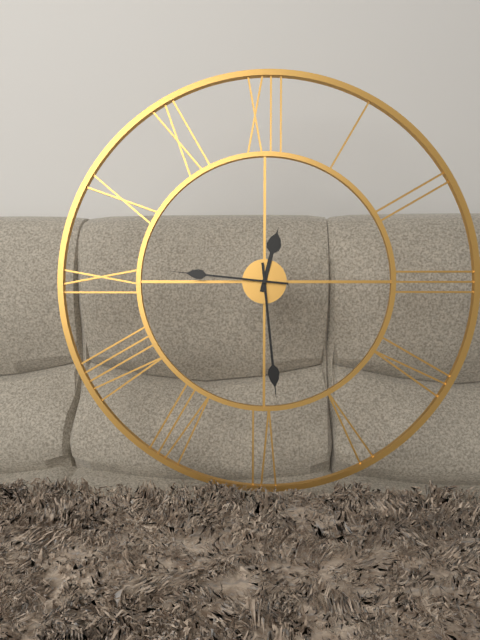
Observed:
{"hour": 12, "minute": 29, "second": 46}
